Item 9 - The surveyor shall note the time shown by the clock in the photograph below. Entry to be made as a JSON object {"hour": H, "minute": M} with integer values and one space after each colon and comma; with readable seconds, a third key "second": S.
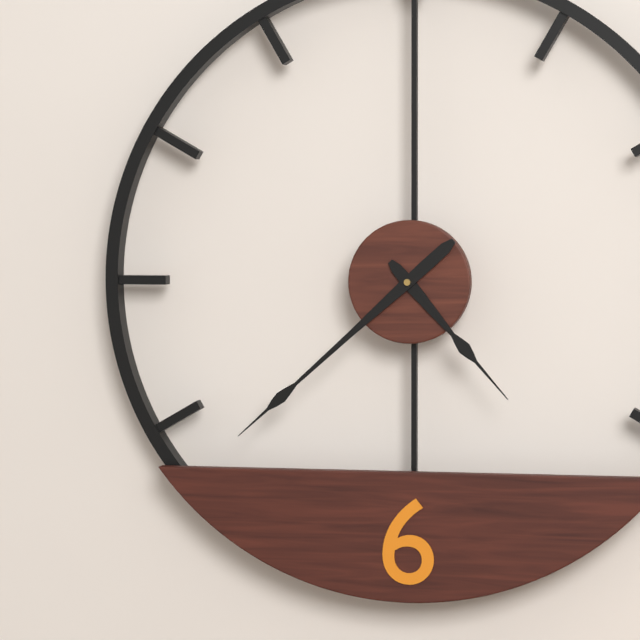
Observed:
{"hour": 4, "minute": 38}
